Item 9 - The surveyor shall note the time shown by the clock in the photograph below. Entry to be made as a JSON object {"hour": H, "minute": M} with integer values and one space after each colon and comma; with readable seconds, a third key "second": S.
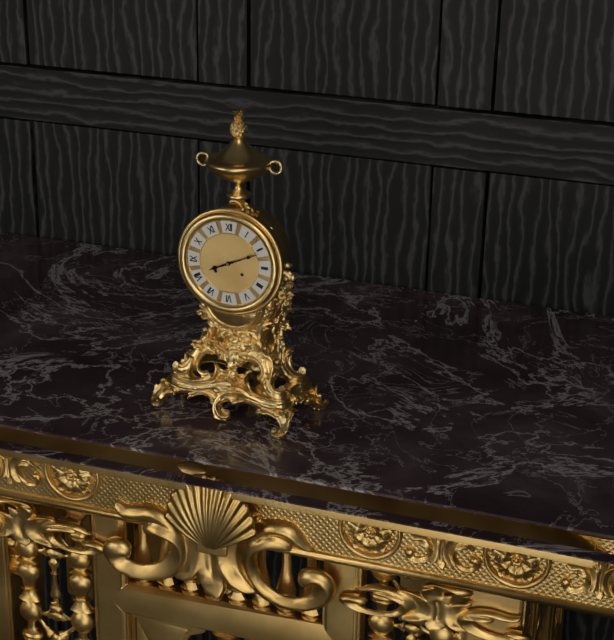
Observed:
{"hour": 8, "minute": 11}
